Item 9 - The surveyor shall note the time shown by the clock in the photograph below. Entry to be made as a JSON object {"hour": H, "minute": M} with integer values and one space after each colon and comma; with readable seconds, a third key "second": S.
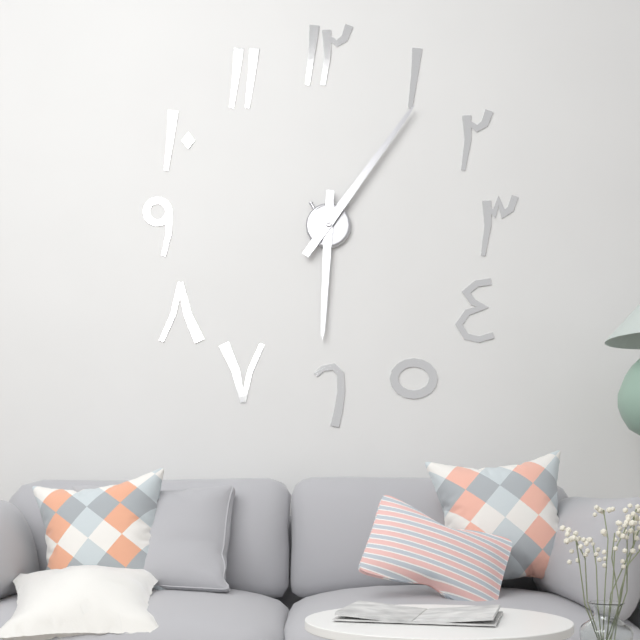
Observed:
{"hour": 6, "minute": 6}
